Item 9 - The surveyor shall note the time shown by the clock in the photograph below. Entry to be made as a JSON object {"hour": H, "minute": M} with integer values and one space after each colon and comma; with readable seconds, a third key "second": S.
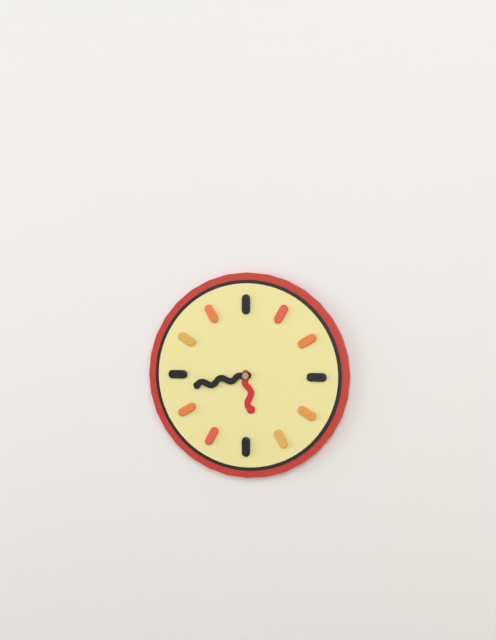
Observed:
{"hour": 5, "minute": 43}
